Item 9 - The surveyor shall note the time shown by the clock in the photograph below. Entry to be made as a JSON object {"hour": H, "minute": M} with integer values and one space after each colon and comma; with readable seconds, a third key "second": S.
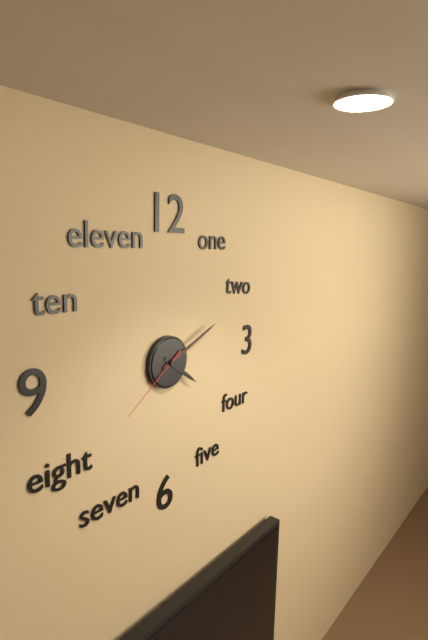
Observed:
{"hour": 4, "minute": 11, "second": 39}
